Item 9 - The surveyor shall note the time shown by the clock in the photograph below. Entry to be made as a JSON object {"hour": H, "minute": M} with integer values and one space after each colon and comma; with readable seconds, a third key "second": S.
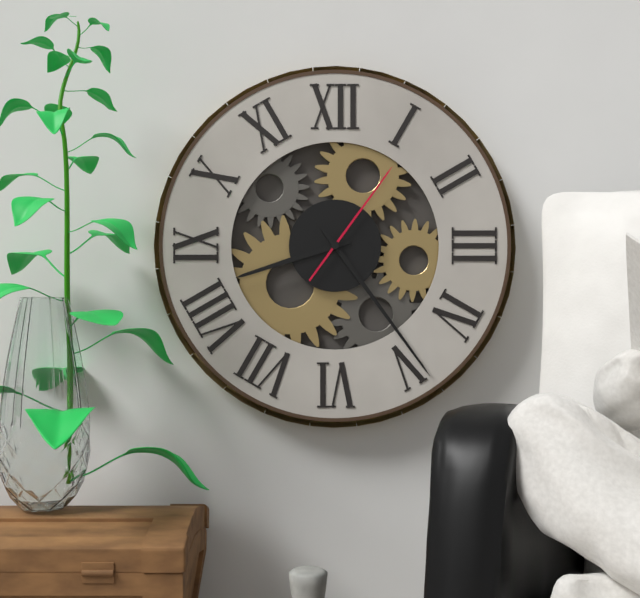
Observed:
{"hour": 8, "minute": 24, "second": 6}
